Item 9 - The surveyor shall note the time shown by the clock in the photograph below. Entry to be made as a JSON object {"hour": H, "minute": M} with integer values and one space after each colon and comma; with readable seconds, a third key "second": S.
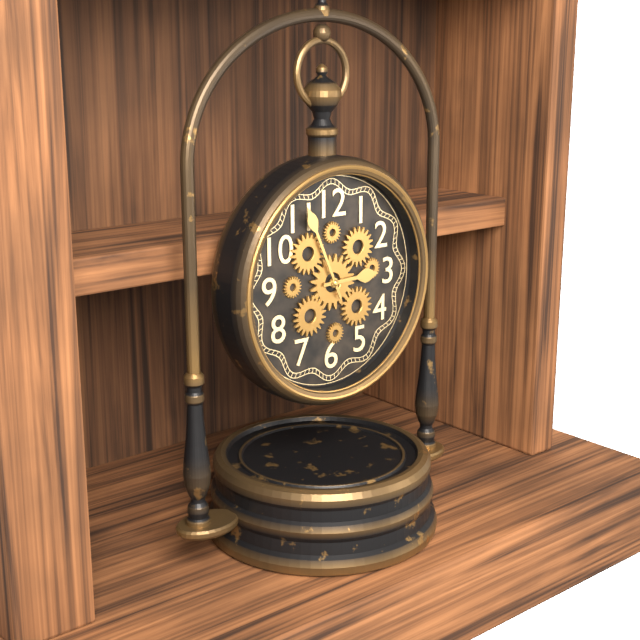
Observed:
{"hour": 2, "minute": 56}
